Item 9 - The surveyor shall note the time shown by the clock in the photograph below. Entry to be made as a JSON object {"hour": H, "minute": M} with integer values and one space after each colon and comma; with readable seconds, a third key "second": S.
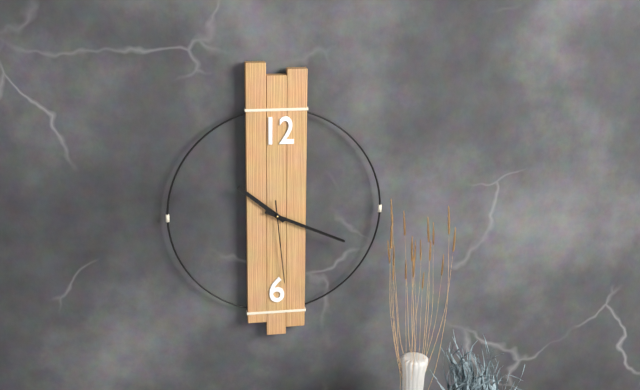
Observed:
{"hour": 10, "minute": 19, "second": 29}
